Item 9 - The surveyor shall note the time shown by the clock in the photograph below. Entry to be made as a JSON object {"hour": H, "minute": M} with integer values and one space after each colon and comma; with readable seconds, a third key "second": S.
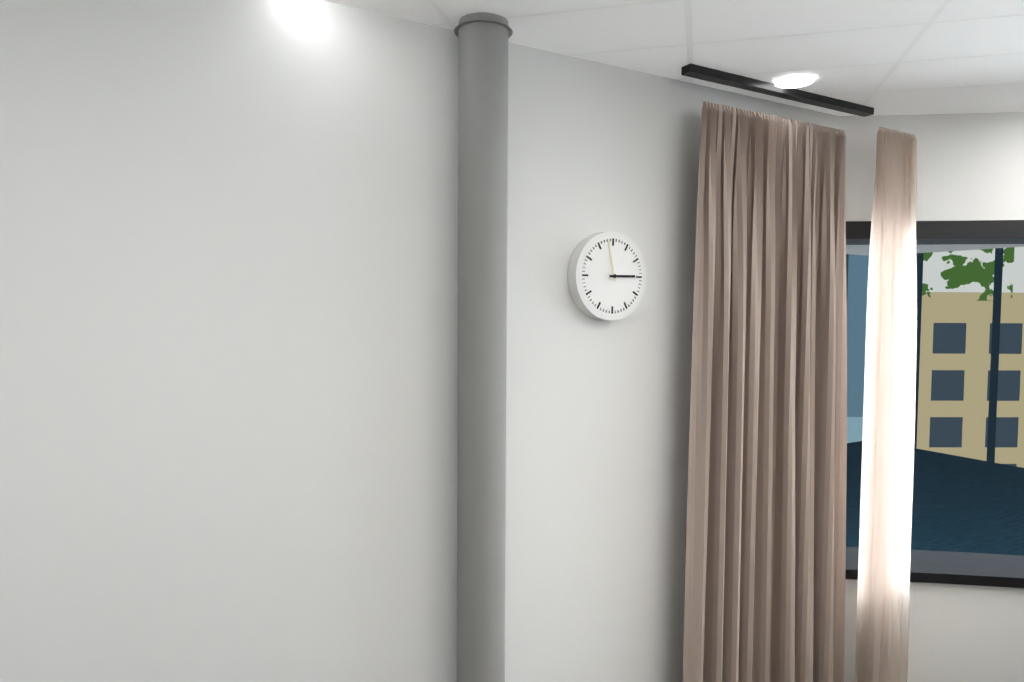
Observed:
{"hour": 2, "minute": 58}
